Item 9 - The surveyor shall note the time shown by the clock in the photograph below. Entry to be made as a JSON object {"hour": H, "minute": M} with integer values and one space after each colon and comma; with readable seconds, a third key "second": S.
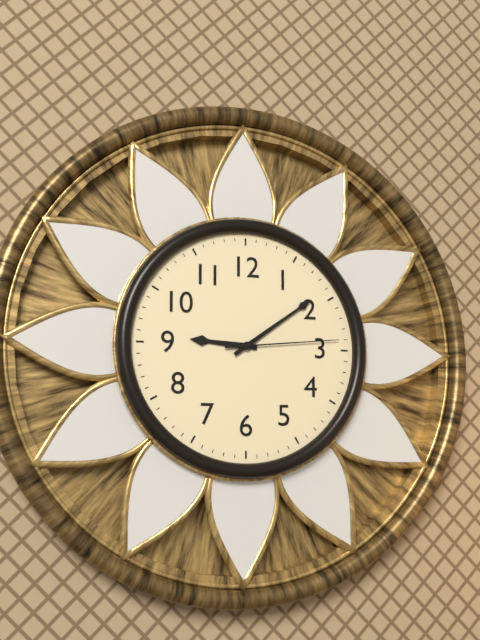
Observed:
{"hour": 9, "minute": 9, "second": 14}
